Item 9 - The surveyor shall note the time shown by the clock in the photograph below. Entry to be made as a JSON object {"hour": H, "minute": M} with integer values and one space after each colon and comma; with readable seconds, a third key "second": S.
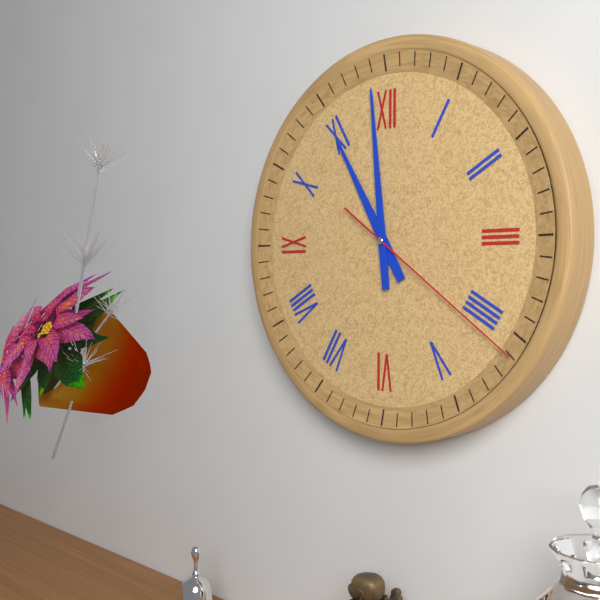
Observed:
{"hour": 10, "minute": 59, "second": 21}
